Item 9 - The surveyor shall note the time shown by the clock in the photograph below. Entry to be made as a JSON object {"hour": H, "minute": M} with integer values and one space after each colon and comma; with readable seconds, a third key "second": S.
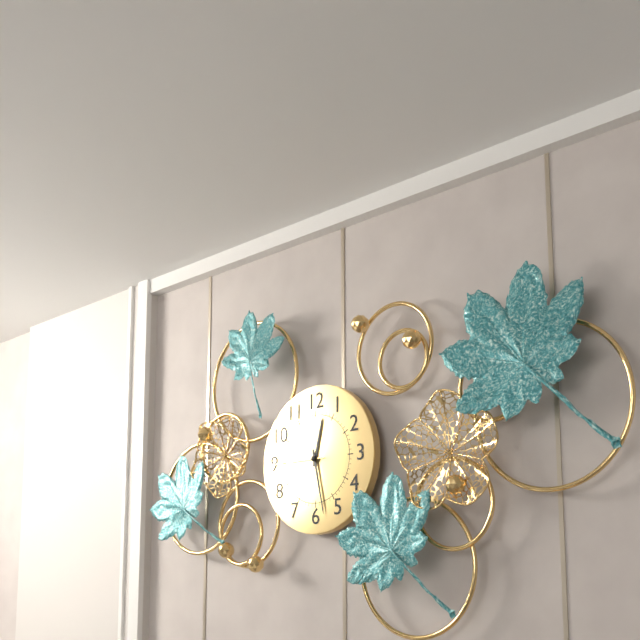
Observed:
{"hour": 12, "minute": 28, "second": 45}
